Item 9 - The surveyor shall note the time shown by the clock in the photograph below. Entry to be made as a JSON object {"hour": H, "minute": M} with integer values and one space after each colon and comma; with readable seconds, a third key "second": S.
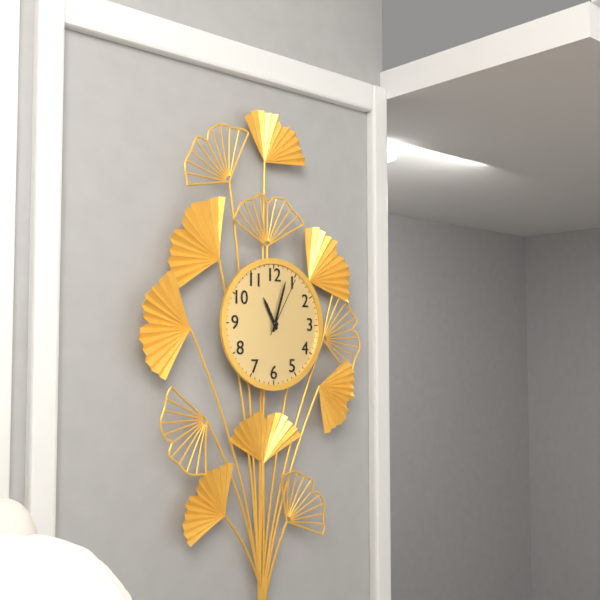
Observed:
{"hour": 11, "minute": 3, "second": 5}
